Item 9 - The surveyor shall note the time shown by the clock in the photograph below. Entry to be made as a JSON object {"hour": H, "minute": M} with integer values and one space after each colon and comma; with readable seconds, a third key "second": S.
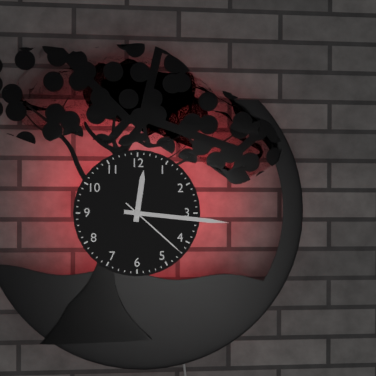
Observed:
{"hour": 12, "minute": 16, "second": 22}
